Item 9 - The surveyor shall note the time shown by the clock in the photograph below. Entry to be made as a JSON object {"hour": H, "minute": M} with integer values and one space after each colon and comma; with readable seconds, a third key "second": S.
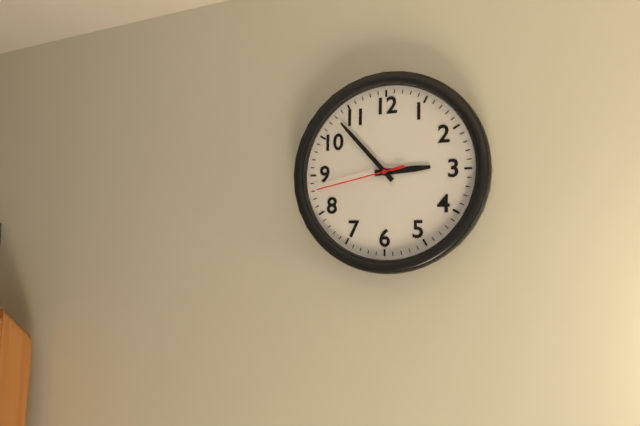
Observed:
{"hour": 2, "minute": 53, "second": 43}
